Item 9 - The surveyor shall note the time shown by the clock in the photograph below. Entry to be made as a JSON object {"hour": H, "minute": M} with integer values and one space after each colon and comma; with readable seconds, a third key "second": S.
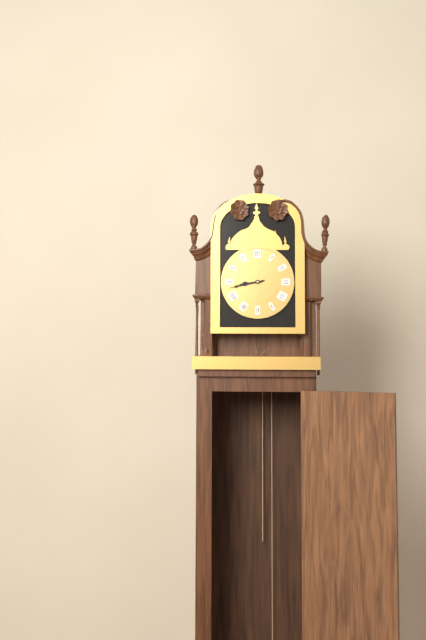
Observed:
{"hour": 8, "minute": 43}
